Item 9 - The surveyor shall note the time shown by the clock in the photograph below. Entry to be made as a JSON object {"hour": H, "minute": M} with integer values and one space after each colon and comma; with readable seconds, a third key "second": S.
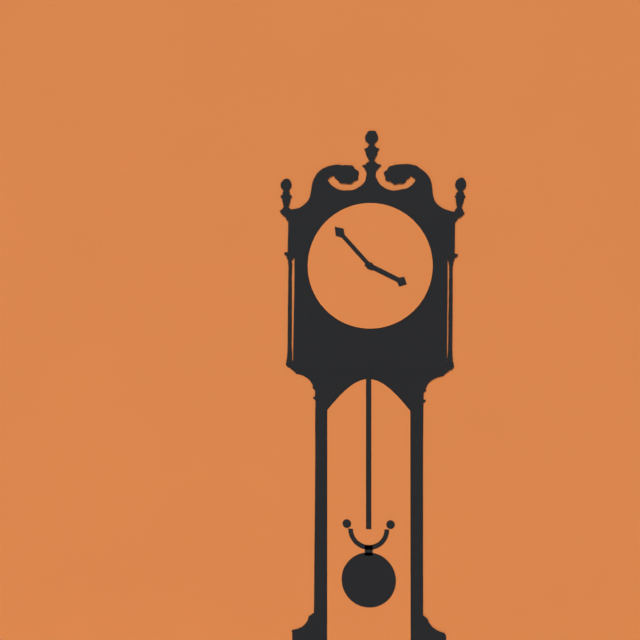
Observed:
{"hour": 3, "minute": 53}
